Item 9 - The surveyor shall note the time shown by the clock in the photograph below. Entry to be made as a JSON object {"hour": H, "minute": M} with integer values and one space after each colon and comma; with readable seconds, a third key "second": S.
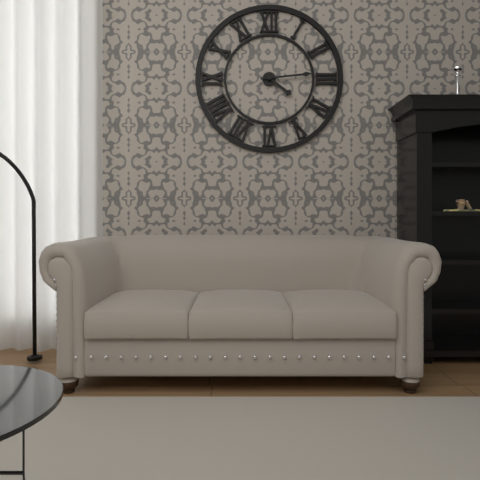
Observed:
{"hour": 4, "minute": 14}
